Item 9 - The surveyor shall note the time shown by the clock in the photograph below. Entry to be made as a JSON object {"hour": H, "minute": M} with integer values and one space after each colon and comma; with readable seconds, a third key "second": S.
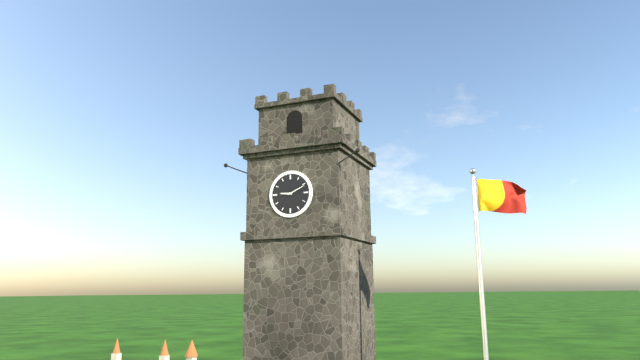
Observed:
{"hour": 9, "minute": 11}
